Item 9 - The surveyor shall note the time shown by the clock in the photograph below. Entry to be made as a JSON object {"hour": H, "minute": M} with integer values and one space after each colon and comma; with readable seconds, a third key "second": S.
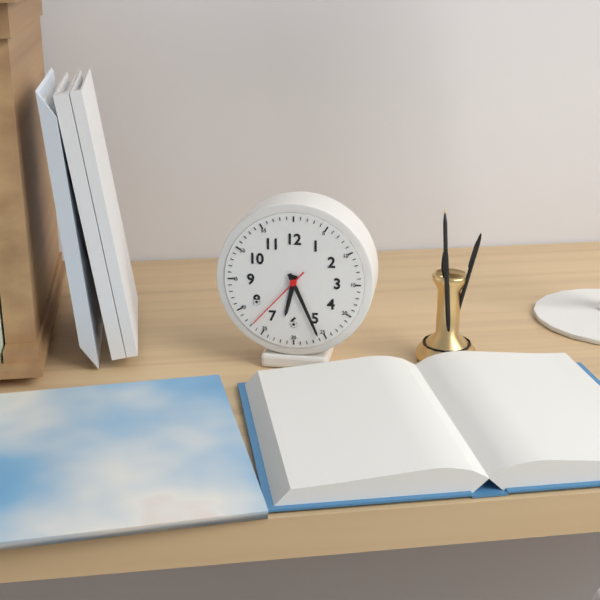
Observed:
{"hour": 6, "minute": 26, "second": 37}
